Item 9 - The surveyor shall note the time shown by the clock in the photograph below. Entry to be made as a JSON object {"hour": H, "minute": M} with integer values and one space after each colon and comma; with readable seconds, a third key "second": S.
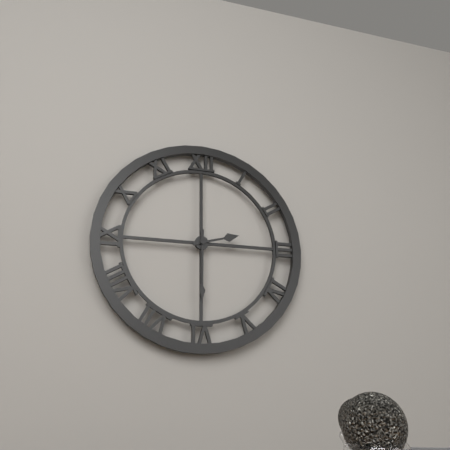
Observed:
{"hour": 2, "minute": 30}
